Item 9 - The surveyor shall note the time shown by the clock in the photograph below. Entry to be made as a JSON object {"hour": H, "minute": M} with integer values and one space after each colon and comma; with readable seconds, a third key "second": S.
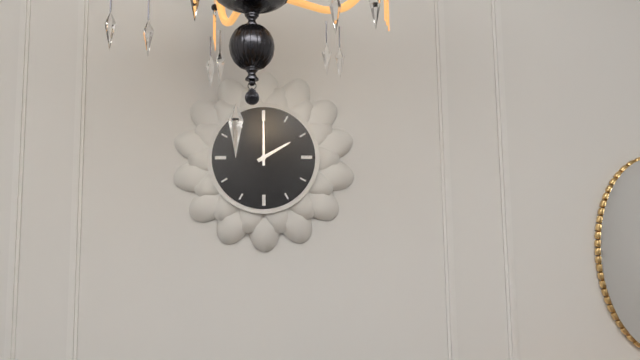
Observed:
{"hour": 2, "minute": 0}
